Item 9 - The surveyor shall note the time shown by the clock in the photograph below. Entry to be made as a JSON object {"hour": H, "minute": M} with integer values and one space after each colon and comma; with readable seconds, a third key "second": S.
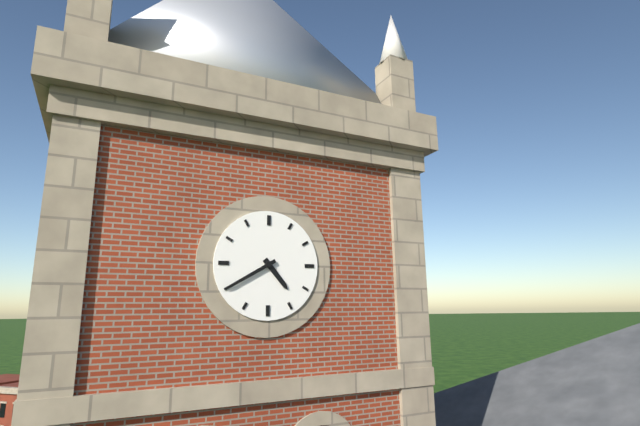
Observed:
{"hour": 4, "minute": 40}
